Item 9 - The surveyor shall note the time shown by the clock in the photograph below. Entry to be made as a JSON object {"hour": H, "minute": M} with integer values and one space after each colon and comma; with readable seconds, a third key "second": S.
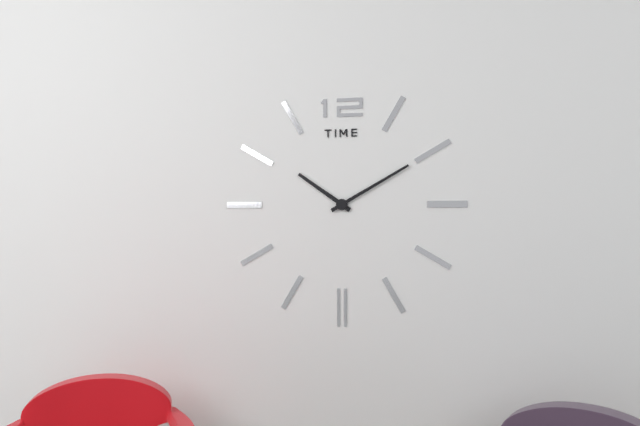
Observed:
{"hour": 10, "minute": 10}
